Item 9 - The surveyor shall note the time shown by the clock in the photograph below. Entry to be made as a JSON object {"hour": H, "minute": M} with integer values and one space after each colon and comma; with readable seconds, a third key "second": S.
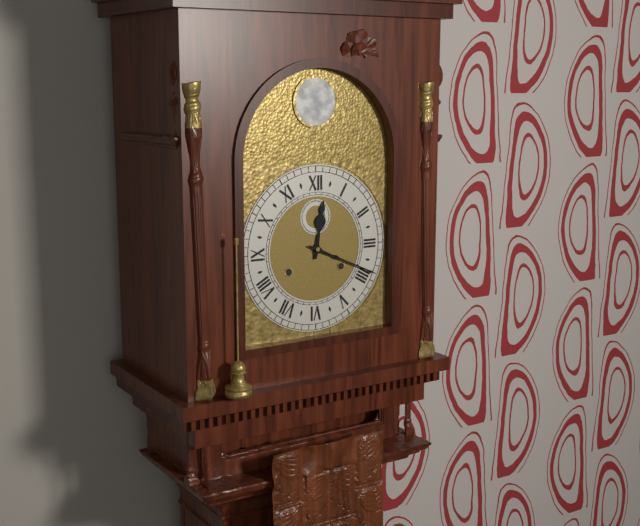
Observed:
{"hour": 12, "minute": 19}
